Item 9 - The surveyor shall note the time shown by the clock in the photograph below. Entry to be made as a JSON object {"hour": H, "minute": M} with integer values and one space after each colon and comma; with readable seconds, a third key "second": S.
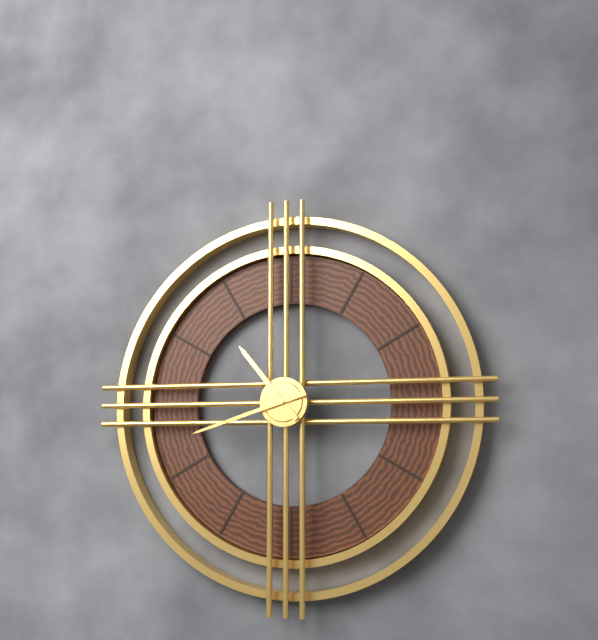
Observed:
{"hour": 10, "minute": 42}
